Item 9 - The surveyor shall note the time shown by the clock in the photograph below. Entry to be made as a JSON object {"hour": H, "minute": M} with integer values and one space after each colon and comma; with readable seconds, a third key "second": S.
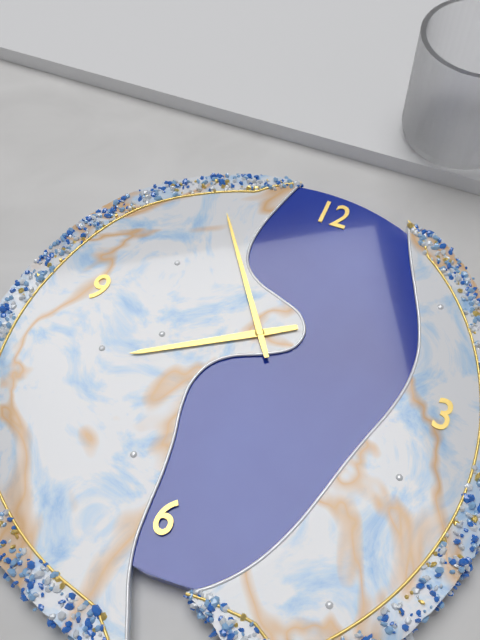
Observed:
{"hour": 7, "minute": 54}
